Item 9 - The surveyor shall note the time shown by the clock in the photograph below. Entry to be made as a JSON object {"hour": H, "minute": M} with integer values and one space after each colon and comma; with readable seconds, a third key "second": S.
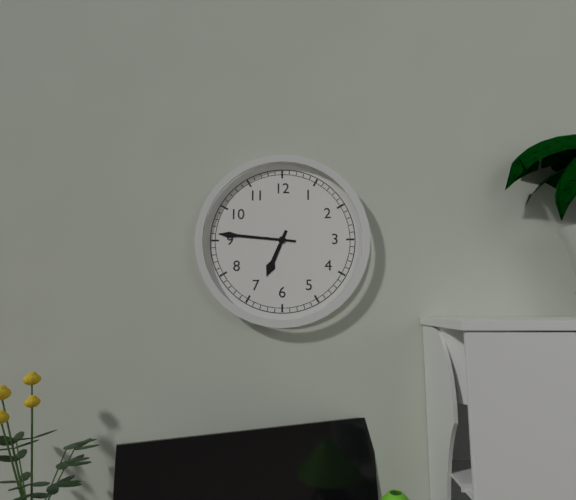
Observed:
{"hour": 6, "minute": 46}
